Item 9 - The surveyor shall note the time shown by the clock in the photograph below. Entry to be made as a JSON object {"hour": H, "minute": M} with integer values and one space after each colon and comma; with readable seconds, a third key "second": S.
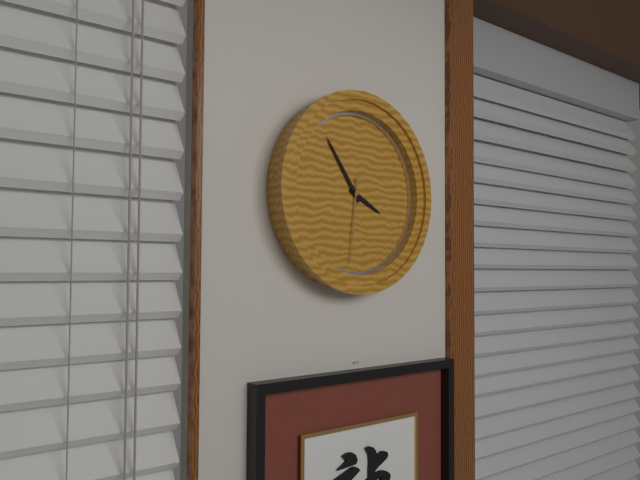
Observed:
{"hour": 3, "minute": 54, "second": 31}
